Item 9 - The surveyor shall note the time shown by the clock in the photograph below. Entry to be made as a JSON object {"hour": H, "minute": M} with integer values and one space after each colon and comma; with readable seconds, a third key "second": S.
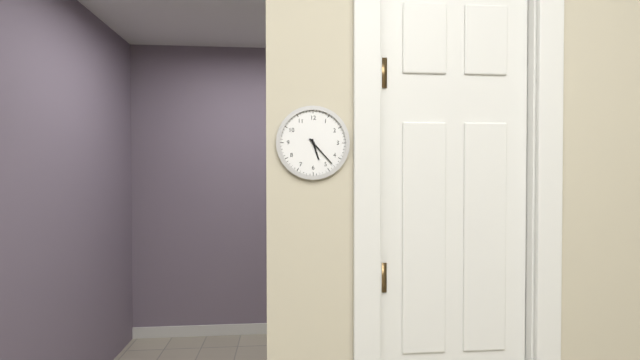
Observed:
{"hour": 5, "minute": 23}
